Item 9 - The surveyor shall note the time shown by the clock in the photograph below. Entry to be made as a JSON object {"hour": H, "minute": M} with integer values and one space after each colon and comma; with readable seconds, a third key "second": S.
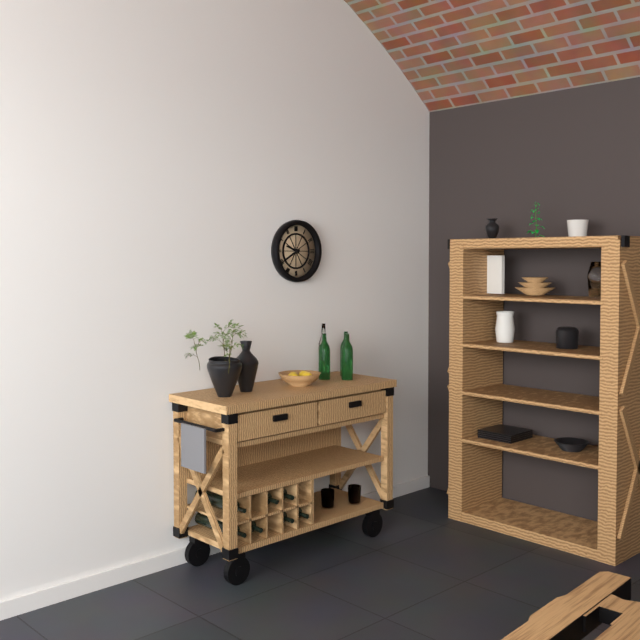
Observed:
{"hour": 9, "minute": 40}
